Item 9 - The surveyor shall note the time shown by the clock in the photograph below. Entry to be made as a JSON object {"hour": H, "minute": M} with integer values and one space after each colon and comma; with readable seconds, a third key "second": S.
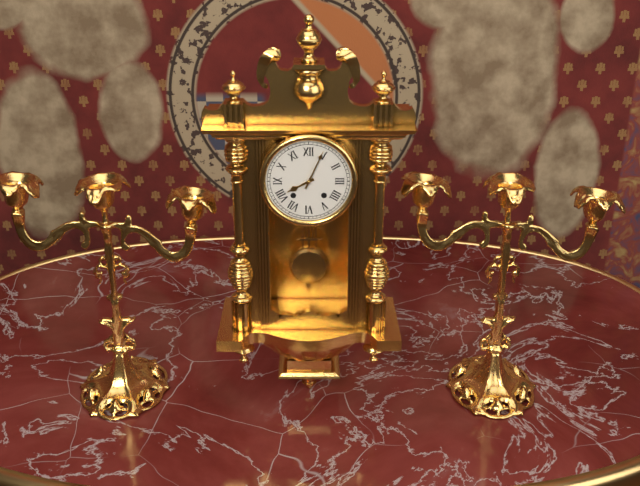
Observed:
{"hour": 8, "minute": 4}
